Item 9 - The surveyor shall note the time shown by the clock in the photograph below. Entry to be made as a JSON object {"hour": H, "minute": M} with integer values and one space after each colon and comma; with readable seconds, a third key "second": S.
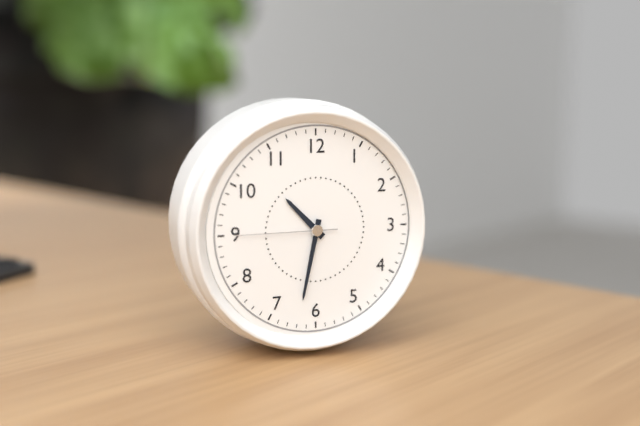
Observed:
{"hour": 10, "minute": 32, "second": 45}
